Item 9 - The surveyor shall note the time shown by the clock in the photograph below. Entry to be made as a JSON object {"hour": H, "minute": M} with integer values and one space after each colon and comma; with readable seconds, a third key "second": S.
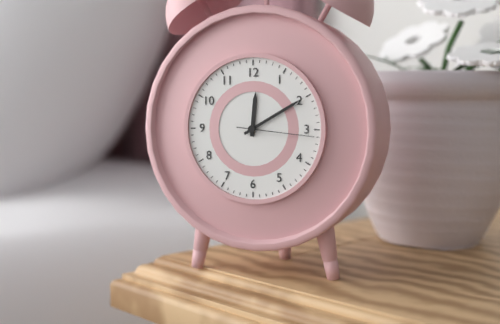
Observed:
{"hour": 12, "minute": 10, "second": 16}
